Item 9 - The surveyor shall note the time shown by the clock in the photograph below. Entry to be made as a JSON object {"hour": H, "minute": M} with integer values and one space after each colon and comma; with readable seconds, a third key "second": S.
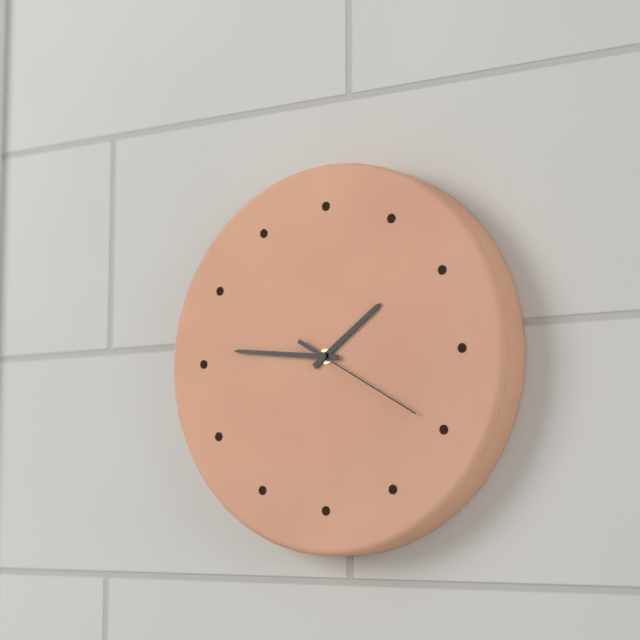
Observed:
{"hour": 1, "minute": 46, "second": 20}
